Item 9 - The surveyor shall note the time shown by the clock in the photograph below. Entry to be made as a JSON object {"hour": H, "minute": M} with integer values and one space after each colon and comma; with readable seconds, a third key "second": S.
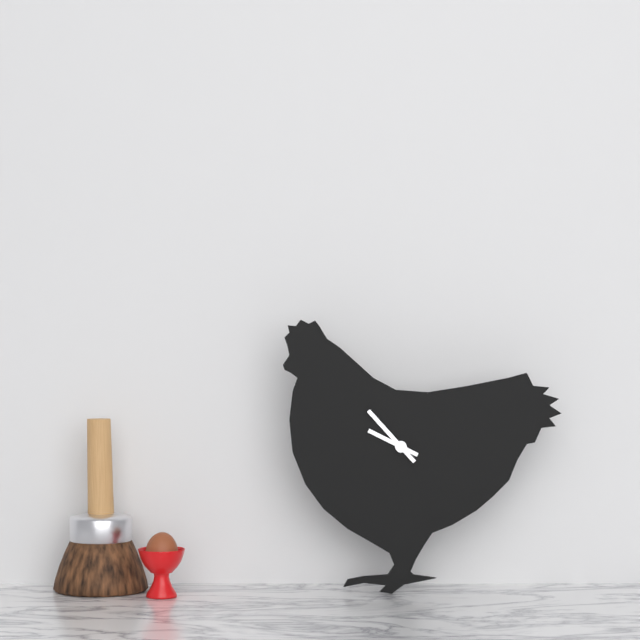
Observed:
{"hour": 9, "minute": 53}
